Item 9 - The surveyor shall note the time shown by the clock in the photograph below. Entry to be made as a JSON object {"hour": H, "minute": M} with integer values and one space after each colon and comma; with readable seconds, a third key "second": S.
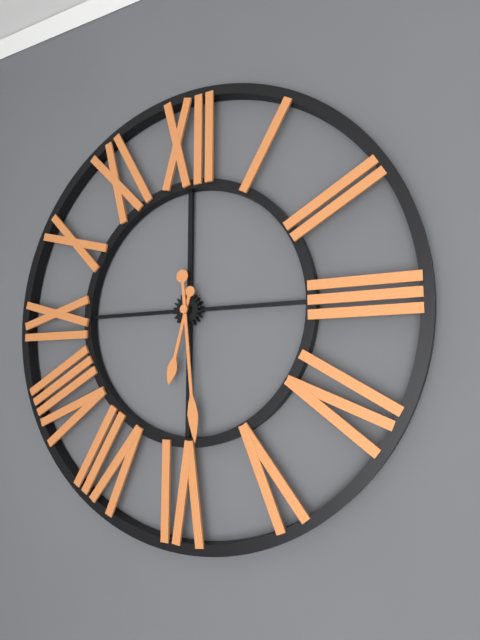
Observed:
{"hour": 6, "minute": 29}
